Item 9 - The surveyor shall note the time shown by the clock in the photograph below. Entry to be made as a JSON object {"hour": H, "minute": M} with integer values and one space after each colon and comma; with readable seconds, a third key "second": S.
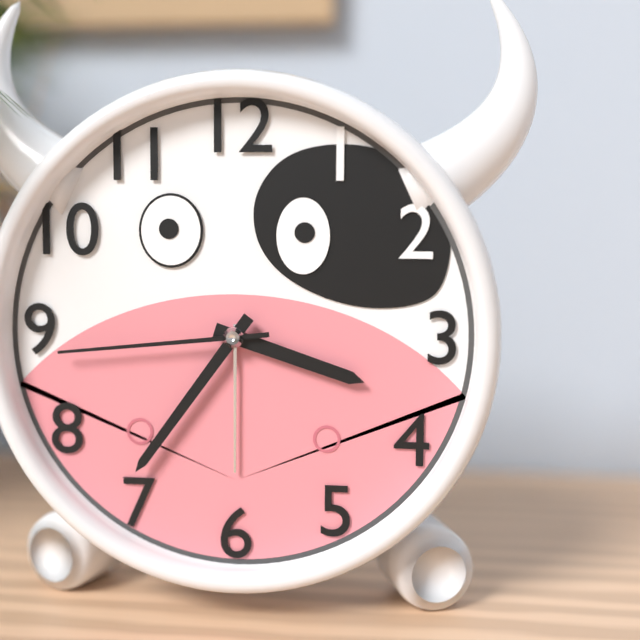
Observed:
{"hour": 3, "minute": 36, "second": 44}
